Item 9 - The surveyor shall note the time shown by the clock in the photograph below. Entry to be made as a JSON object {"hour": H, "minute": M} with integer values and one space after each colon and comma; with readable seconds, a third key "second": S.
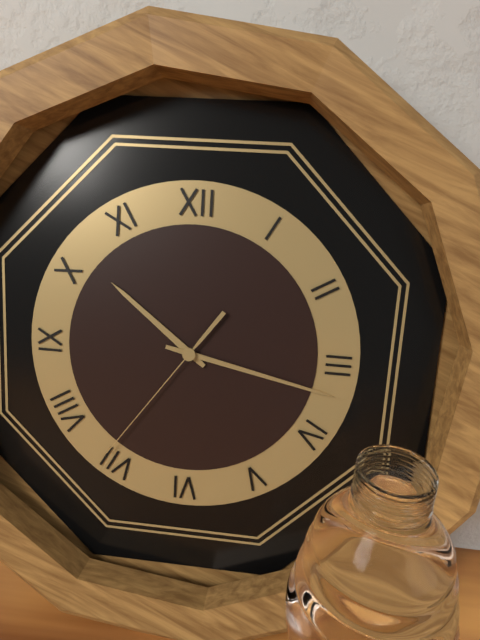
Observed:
{"hour": 10, "minute": 17, "second": 36}
